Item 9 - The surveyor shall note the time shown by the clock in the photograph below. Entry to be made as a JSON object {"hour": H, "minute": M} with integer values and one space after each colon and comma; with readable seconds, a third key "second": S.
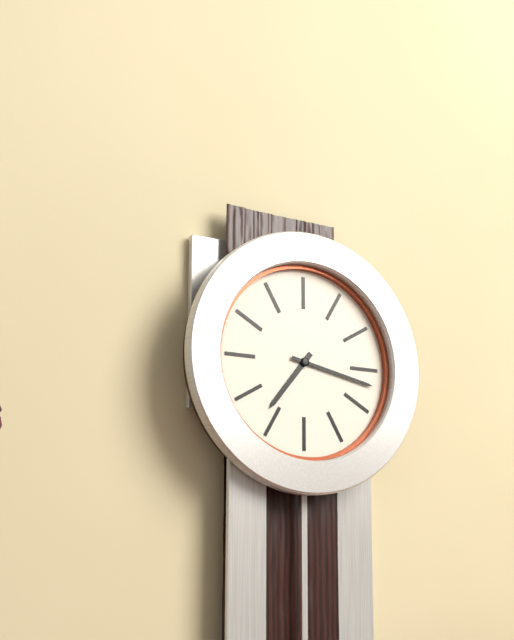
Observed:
{"hour": 7, "minute": 17}
